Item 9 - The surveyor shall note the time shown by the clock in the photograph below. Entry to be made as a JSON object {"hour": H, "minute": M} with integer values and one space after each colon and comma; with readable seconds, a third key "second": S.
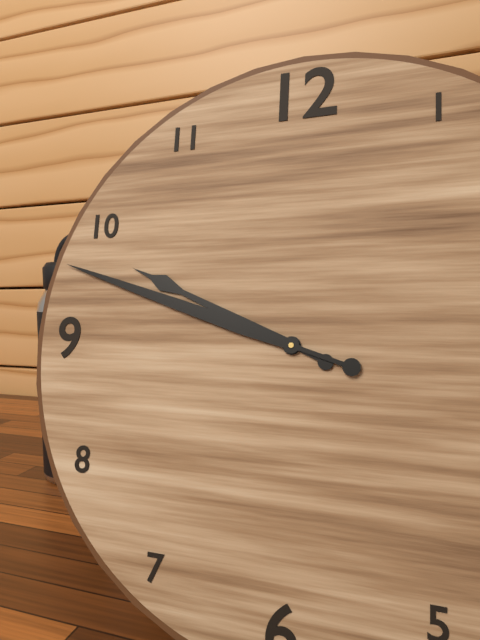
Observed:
{"hour": 9, "minute": 48}
